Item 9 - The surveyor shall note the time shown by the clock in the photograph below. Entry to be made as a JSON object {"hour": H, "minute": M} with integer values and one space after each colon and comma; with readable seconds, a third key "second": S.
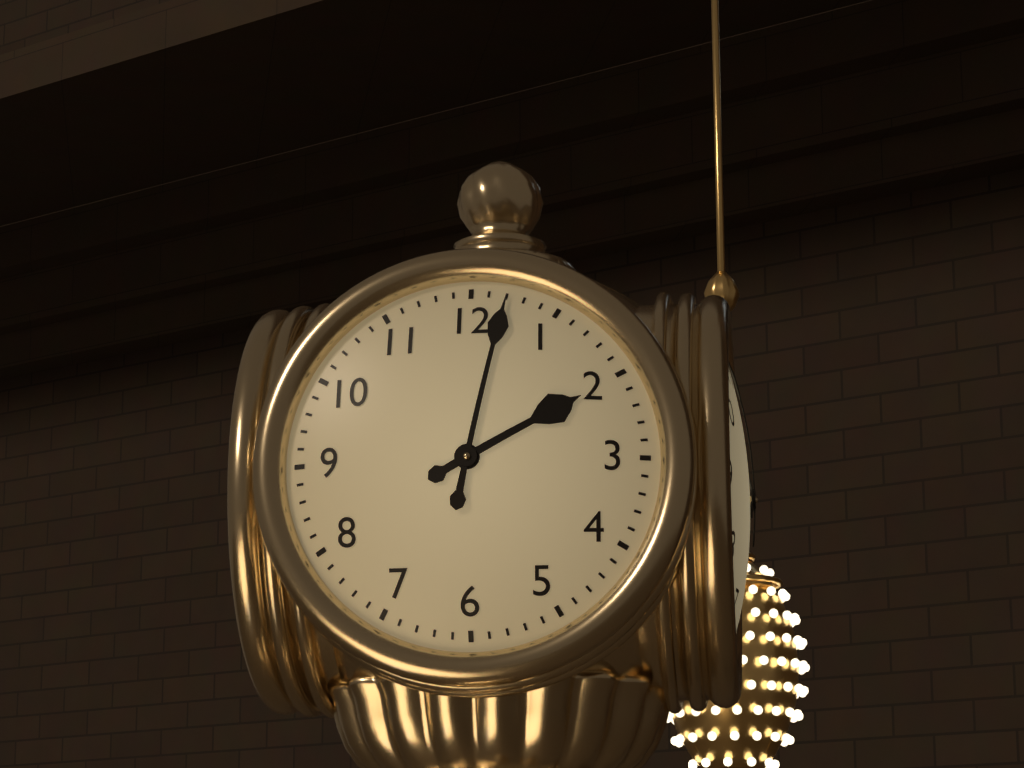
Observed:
{"hour": 2, "minute": 2}
